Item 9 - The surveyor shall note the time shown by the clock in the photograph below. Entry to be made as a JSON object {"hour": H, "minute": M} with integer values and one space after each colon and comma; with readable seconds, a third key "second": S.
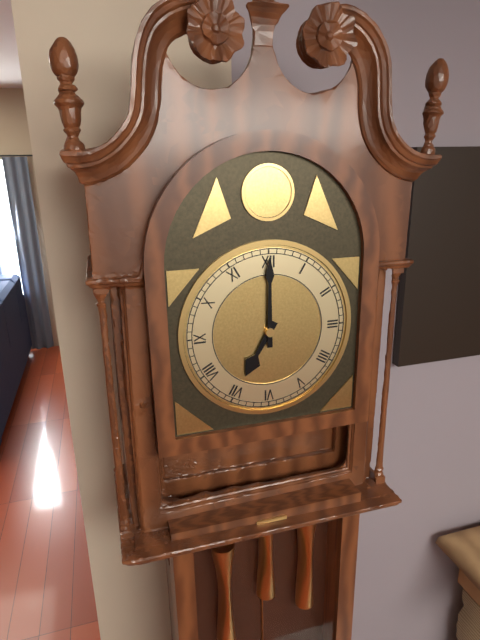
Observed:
{"hour": 7, "minute": 0}
